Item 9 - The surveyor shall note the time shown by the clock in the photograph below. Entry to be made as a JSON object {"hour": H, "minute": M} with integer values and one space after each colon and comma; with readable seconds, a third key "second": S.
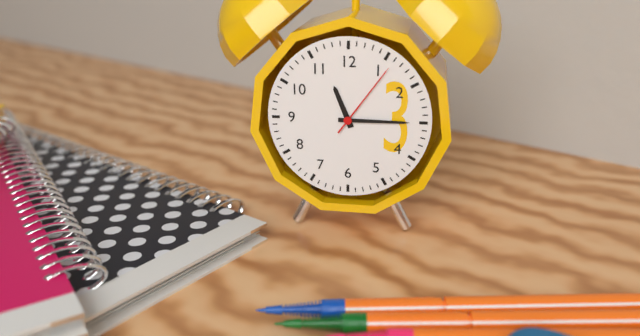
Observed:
{"hour": 11, "minute": 15, "second": 6}
